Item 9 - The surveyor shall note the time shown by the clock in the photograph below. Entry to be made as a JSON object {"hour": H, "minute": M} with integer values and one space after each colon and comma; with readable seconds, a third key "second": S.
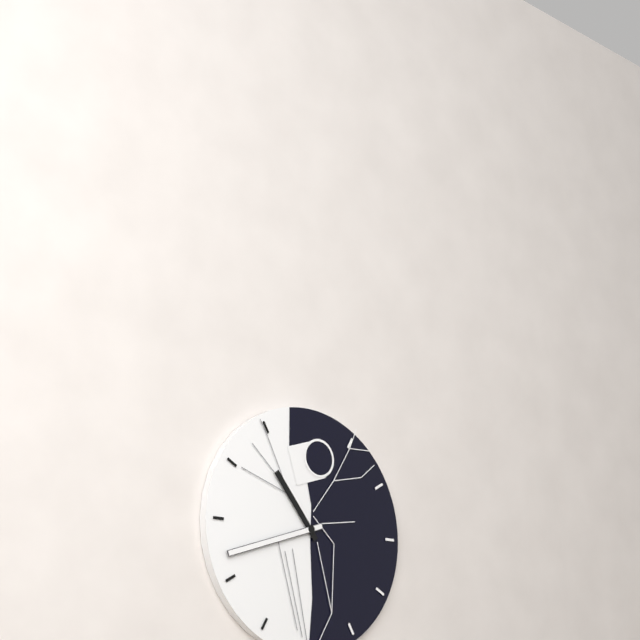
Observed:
{"hour": 10, "minute": 42}
